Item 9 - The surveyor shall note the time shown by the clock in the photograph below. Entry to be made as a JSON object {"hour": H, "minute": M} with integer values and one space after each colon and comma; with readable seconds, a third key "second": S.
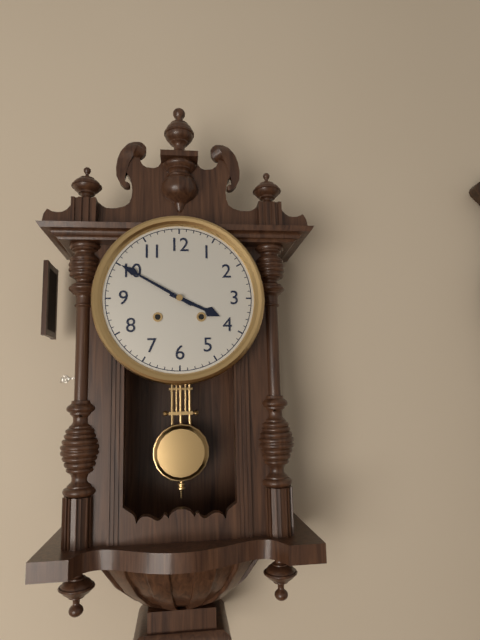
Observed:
{"hour": 3, "minute": 50}
